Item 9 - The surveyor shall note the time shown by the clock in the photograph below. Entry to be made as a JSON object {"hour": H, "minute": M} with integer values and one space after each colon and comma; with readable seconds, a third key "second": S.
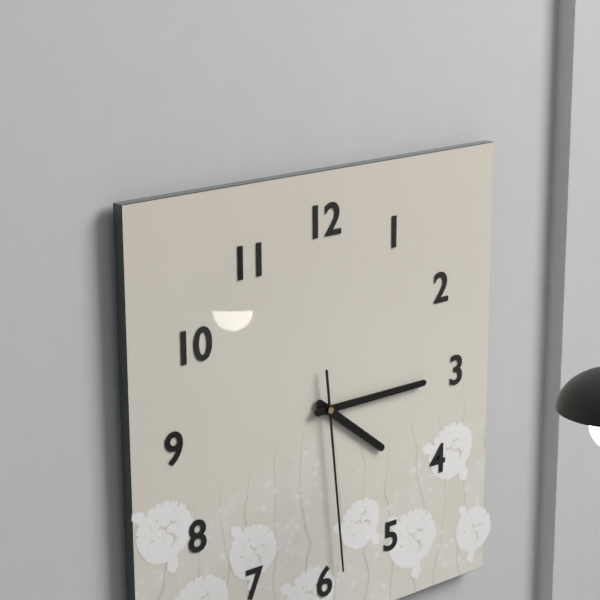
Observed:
{"hour": 4, "minute": 15, "second": 29}
